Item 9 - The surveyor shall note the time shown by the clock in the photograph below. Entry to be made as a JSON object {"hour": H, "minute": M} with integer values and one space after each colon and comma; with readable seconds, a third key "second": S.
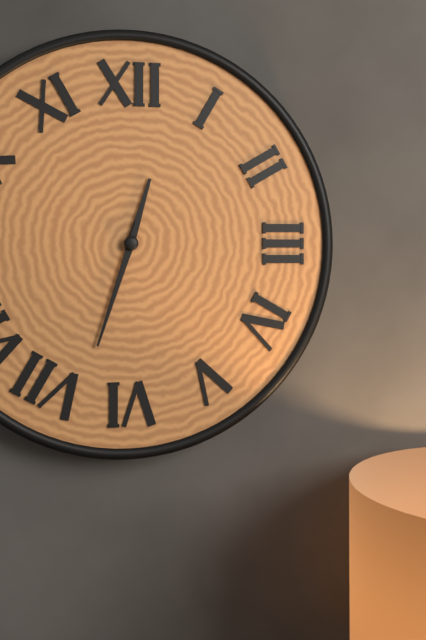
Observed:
{"hour": 12, "minute": 33}
